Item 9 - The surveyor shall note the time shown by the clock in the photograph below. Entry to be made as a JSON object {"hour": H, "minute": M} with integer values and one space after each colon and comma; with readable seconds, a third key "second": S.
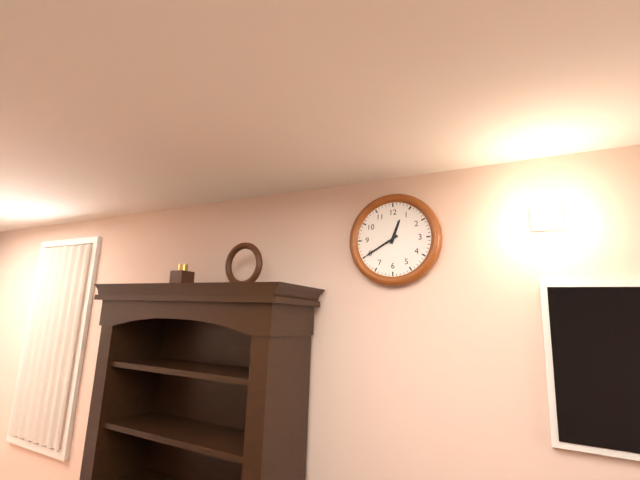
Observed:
{"hour": 12, "minute": 40}
